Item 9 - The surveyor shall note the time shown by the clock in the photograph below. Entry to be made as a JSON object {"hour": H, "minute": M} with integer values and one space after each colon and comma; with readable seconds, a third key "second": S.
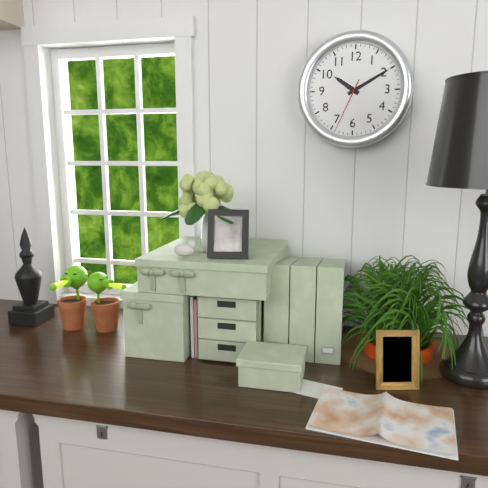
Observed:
{"hour": 10, "minute": 10, "second": 34}
